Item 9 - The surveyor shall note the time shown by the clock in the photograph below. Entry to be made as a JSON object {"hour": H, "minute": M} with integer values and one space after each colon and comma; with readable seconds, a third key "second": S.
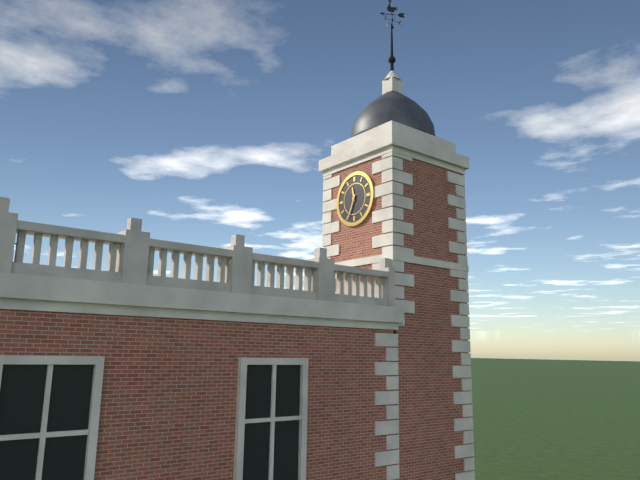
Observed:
{"hour": 11, "minute": 34}
